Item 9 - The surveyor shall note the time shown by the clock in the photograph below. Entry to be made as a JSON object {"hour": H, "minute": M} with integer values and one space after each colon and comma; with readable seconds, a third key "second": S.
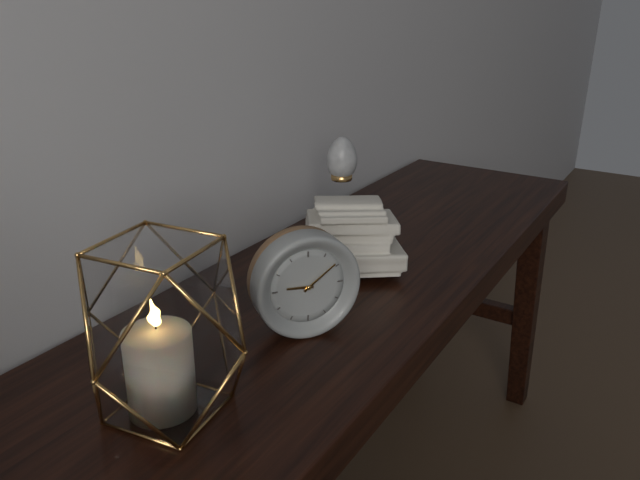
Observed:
{"hour": 9, "minute": 9}
